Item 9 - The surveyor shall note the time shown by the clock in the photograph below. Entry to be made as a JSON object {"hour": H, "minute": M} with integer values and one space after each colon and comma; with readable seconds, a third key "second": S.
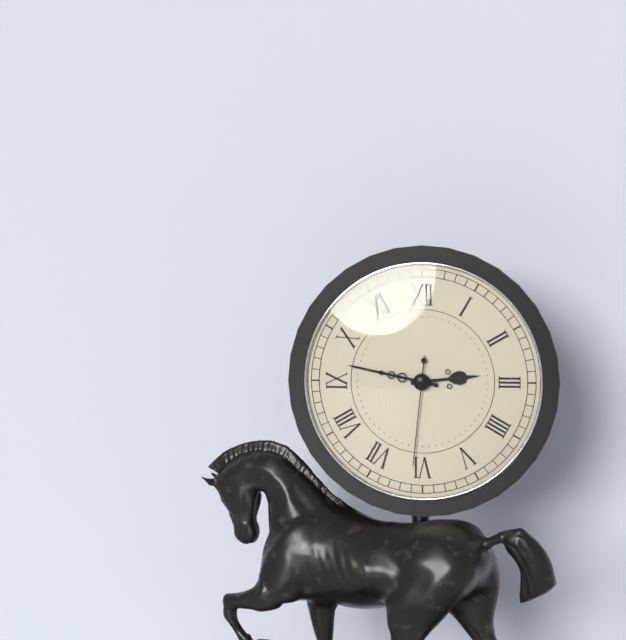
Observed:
{"hour": 2, "minute": 47, "second": 31}
